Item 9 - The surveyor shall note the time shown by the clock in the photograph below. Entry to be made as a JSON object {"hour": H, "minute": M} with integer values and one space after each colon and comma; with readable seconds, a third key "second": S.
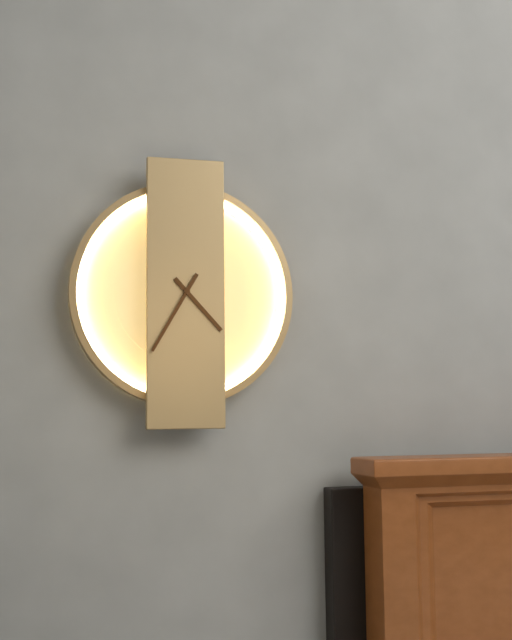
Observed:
{"hour": 4, "minute": 35}
